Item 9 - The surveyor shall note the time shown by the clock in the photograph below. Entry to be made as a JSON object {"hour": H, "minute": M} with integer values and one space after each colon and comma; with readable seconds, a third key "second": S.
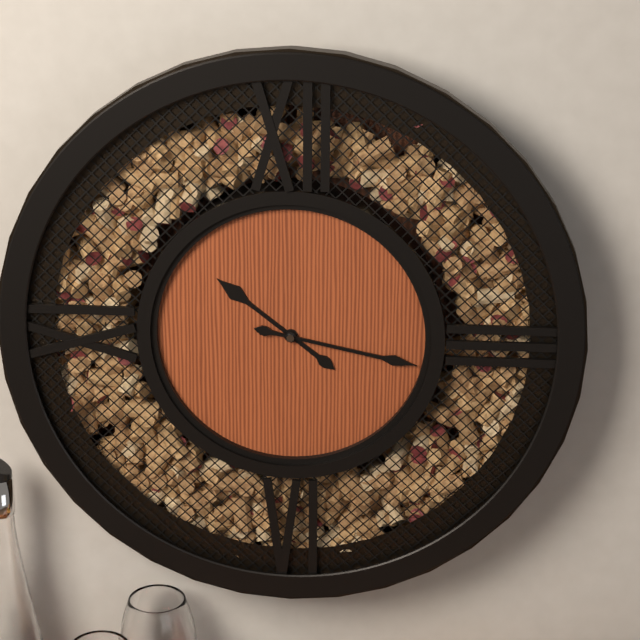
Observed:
{"hour": 10, "minute": 17}
